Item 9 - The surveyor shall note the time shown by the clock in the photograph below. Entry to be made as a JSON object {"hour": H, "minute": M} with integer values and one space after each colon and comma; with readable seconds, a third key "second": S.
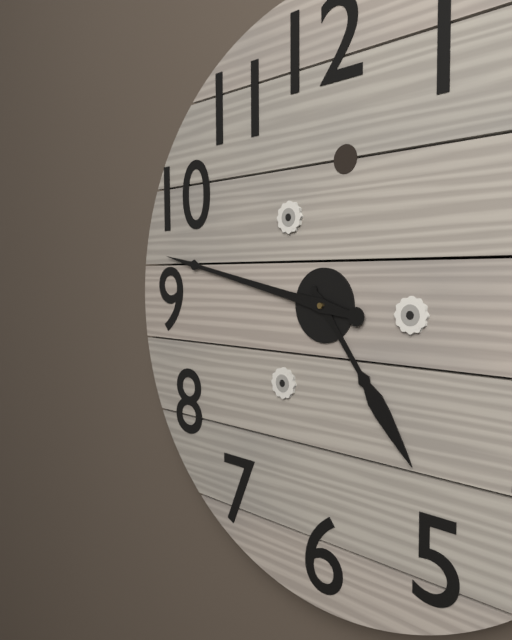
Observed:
{"hour": 4, "minute": 47}
